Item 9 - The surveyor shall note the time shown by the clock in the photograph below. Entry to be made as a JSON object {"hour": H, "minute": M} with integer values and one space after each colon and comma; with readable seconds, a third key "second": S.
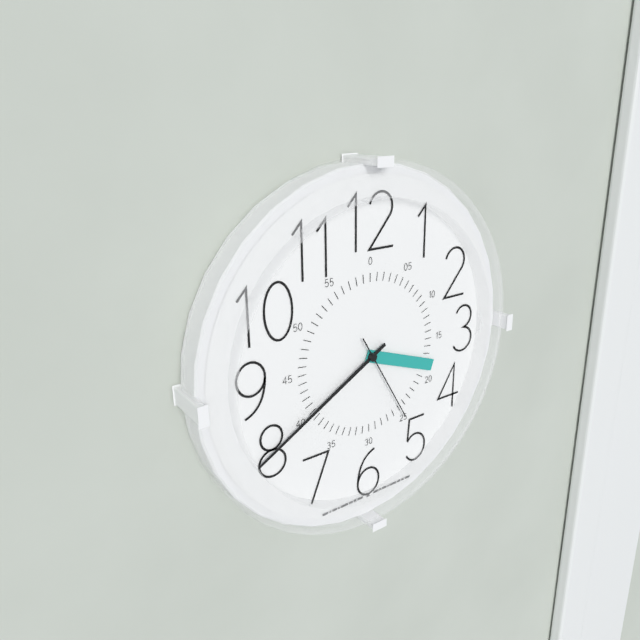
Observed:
{"hour": 3, "minute": 40, "second": 25}
